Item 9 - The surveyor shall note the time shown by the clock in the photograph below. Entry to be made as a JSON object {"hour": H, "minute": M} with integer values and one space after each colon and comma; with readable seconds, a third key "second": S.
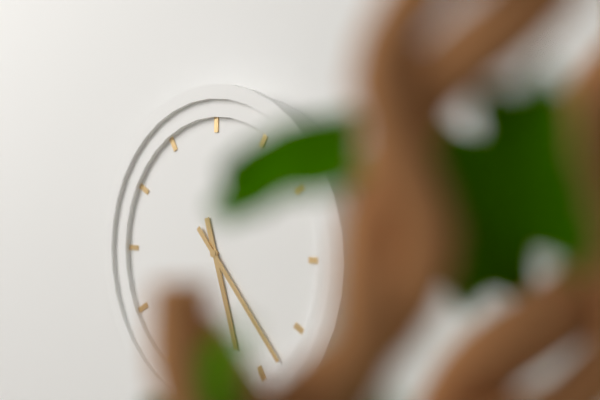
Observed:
{"hour": 5, "minute": 23}
